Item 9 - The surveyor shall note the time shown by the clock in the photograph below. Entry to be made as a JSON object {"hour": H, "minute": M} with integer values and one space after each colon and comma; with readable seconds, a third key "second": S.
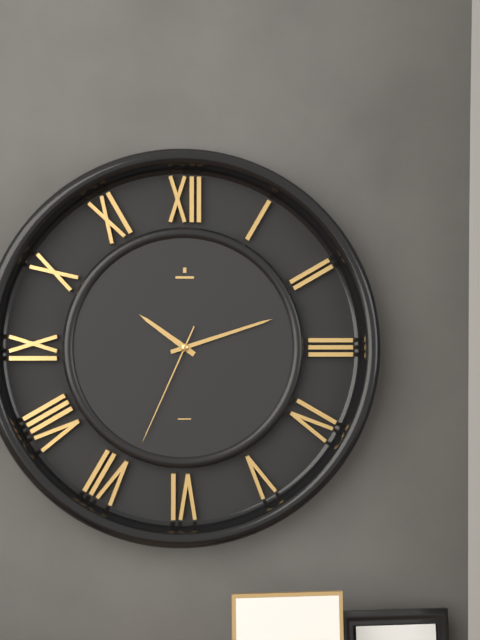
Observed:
{"hour": 10, "minute": 12, "second": 34}
